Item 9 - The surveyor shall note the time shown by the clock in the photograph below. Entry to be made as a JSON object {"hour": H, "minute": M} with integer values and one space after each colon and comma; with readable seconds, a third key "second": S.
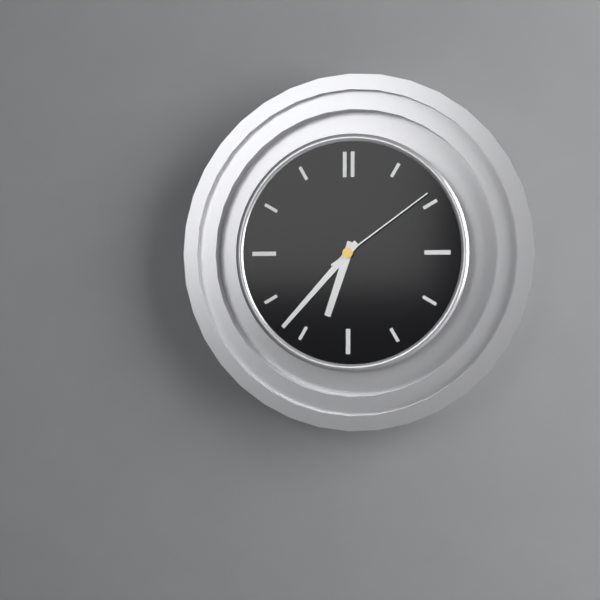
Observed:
{"hour": 6, "minute": 37, "second": 9}
